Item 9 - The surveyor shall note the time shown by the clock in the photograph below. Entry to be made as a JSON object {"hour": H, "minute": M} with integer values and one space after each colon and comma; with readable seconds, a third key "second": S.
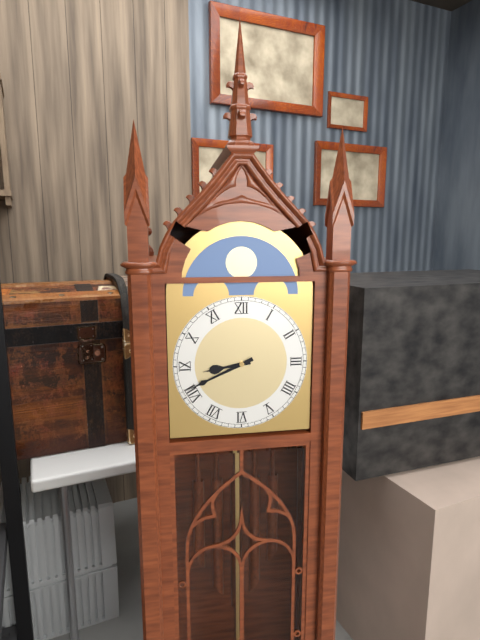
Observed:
{"hour": 8, "minute": 41}
